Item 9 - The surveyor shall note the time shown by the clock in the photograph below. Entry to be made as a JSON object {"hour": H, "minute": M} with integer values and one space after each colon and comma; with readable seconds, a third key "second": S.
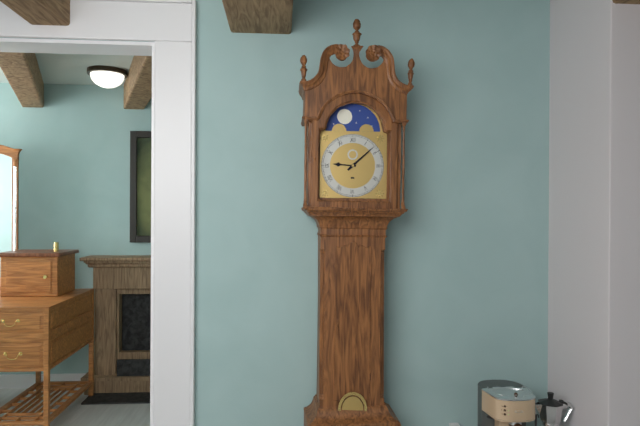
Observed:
{"hour": 9, "minute": 8}
